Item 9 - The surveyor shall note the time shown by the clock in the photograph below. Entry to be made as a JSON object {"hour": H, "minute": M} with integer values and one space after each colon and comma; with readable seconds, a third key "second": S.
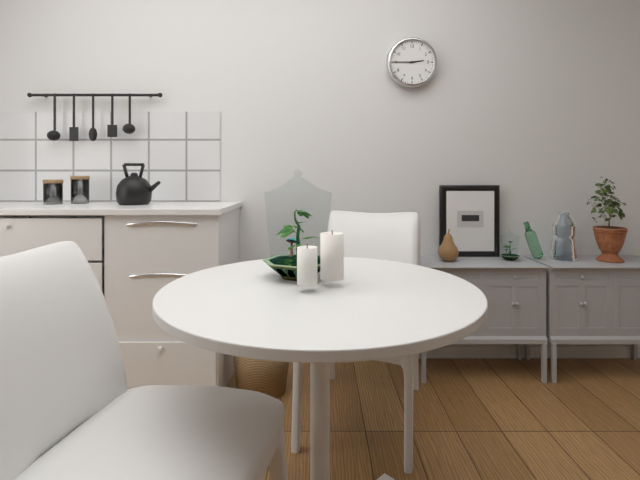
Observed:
{"hour": 2, "minute": 45}
